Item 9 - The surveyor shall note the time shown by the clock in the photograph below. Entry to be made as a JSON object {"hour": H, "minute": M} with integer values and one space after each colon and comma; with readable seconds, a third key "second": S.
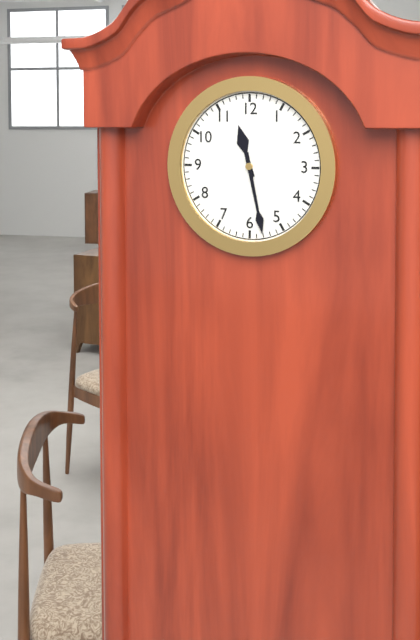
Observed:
{"hour": 11, "minute": 28}
